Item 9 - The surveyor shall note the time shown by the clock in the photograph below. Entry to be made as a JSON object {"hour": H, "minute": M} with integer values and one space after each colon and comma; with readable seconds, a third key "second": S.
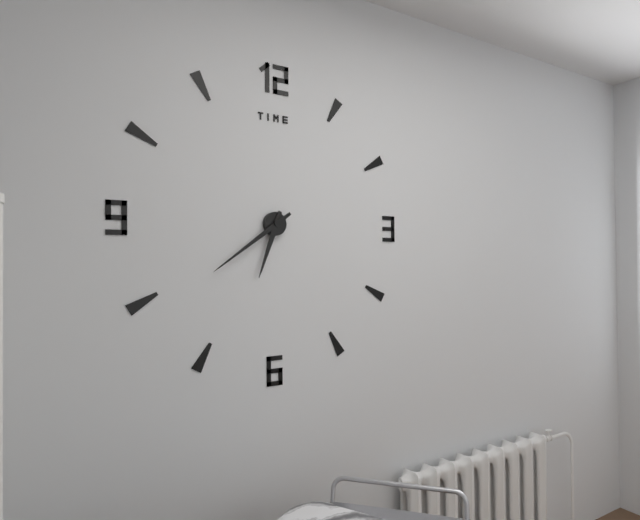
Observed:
{"hour": 6, "minute": 39}
